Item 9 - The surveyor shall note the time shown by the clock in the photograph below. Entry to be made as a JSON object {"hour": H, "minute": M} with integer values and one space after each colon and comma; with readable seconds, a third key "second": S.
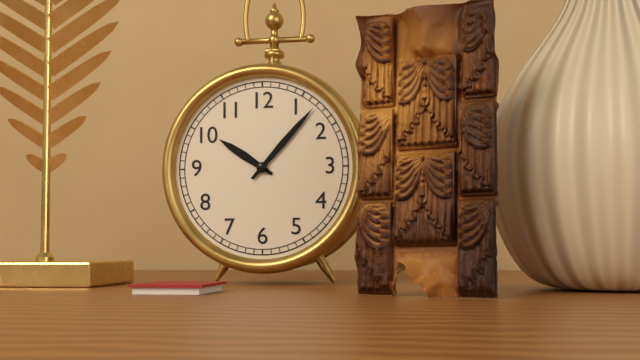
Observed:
{"hour": 10, "minute": 7}
